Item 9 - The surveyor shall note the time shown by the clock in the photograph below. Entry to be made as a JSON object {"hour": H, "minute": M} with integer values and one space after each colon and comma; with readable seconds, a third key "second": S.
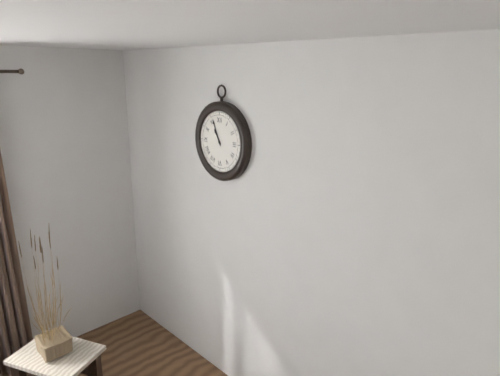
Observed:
{"hour": 10, "minute": 56}
